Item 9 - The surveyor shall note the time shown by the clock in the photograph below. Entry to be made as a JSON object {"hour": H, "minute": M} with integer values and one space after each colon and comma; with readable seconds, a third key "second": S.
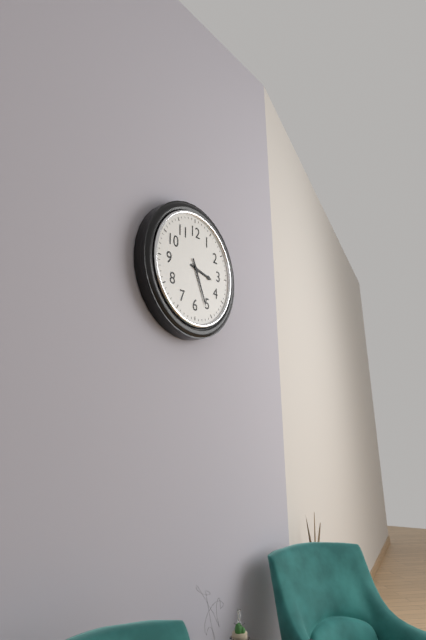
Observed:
{"hour": 3, "minute": 26}
